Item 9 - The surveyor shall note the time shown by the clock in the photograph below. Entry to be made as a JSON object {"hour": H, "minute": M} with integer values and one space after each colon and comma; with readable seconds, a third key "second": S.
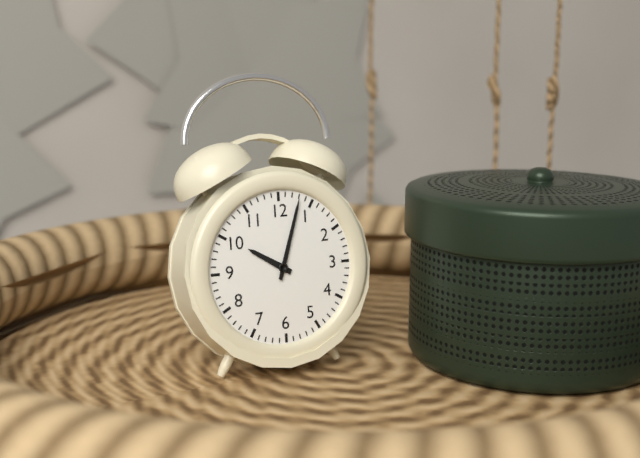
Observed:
{"hour": 10, "minute": 3}
